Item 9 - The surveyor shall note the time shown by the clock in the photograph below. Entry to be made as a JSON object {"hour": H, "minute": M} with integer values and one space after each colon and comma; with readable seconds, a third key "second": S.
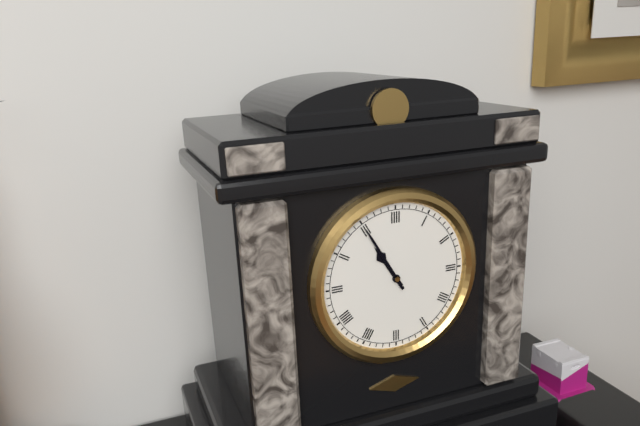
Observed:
{"hour": 10, "minute": 55}
